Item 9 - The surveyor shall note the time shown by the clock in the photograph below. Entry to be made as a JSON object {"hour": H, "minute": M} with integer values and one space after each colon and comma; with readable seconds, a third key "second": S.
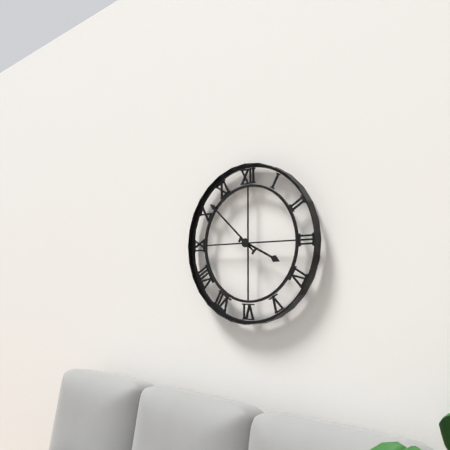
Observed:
{"hour": 3, "minute": 52}
